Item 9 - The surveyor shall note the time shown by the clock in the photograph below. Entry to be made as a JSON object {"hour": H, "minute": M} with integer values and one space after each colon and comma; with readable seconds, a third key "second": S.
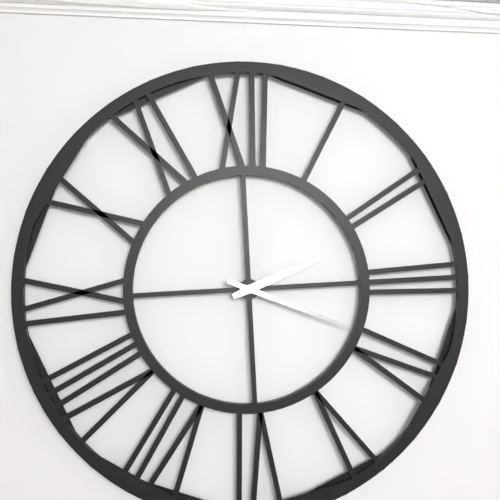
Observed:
{"hour": 2, "minute": 19}
